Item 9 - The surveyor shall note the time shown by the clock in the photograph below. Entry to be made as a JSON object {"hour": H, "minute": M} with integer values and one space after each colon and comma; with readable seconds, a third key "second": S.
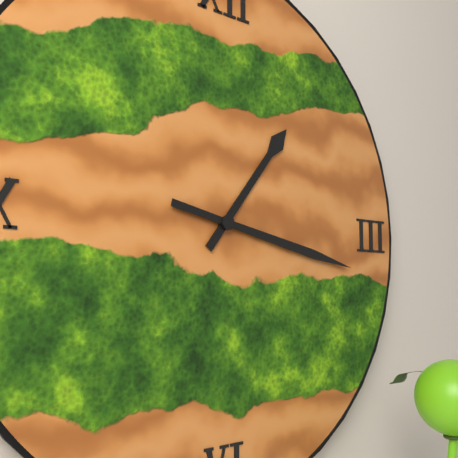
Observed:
{"hour": 1, "minute": 17}
